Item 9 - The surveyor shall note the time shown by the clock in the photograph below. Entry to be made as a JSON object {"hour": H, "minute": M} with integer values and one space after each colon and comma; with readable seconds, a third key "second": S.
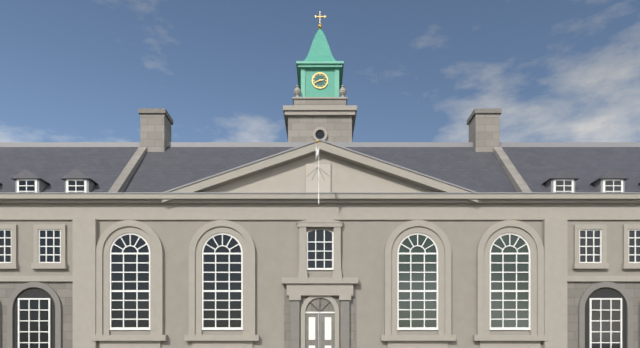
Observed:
{"hour": 2, "minute": 41}
